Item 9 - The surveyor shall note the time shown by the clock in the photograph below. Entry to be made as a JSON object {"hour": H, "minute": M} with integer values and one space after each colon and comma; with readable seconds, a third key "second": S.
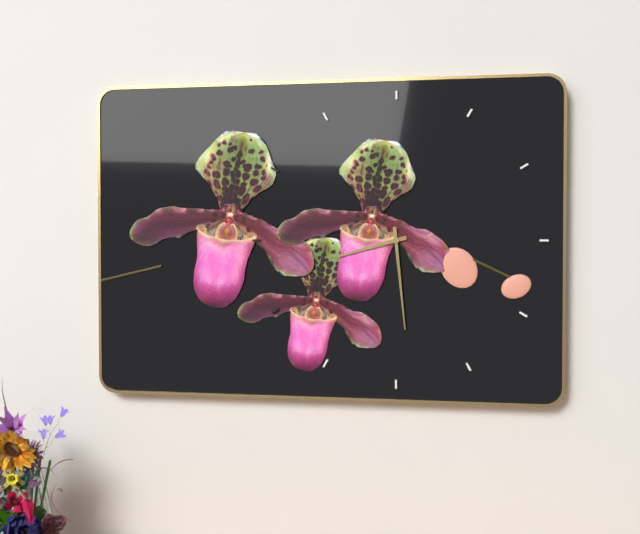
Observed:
{"hour": 8, "minute": 29}
